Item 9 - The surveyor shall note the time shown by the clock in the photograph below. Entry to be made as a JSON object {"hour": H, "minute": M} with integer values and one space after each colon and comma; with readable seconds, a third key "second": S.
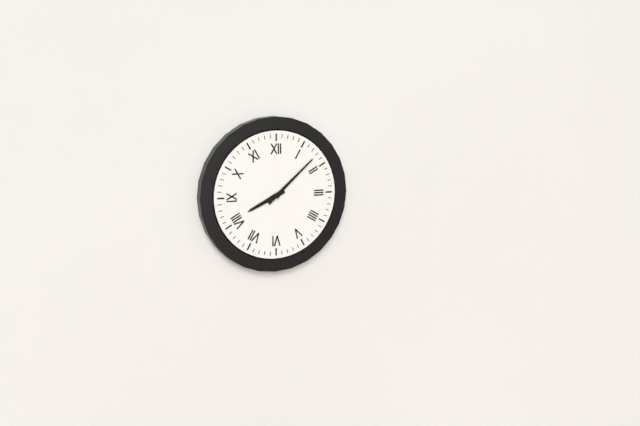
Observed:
{"hour": 8, "minute": 8}
